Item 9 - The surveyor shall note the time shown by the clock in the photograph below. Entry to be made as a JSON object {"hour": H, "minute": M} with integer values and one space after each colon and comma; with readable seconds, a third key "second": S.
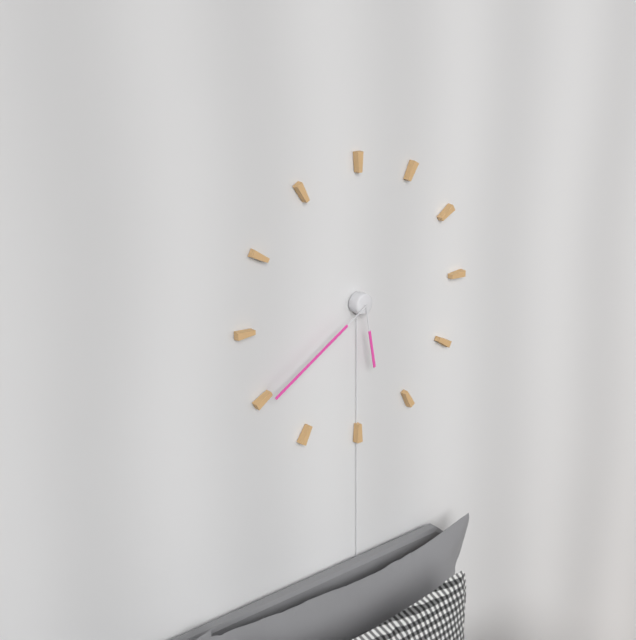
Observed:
{"hour": 5, "minute": 40}
